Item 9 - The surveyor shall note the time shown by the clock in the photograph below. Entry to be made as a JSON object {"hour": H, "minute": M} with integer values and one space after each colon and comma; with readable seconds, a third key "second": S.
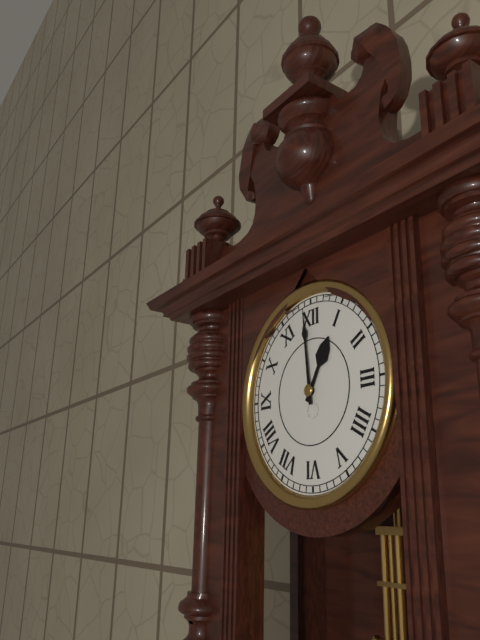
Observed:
{"hour": 12, "minute": 59}
